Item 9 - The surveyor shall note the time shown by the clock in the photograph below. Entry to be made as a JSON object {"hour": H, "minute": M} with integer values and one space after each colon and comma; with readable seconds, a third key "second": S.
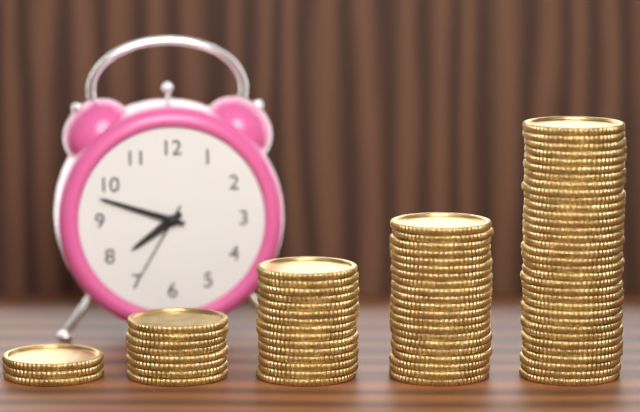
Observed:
{"hour": 7, "minute": 48, "second": 35}
